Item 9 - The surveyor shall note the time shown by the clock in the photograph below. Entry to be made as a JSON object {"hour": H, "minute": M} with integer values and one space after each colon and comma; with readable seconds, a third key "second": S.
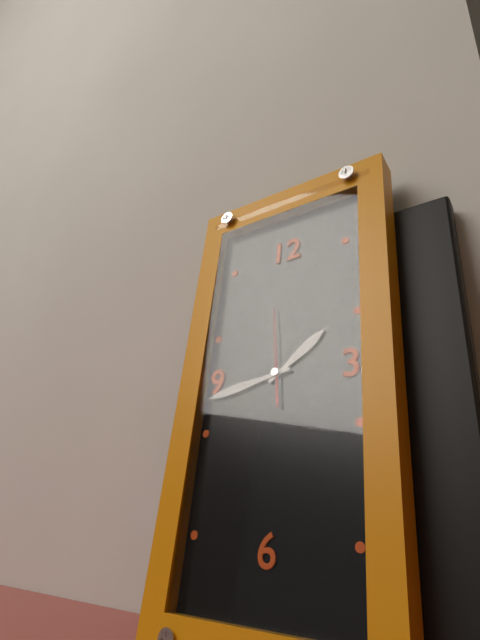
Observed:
{"hour": 1, "minute": 43, "second": 59}
